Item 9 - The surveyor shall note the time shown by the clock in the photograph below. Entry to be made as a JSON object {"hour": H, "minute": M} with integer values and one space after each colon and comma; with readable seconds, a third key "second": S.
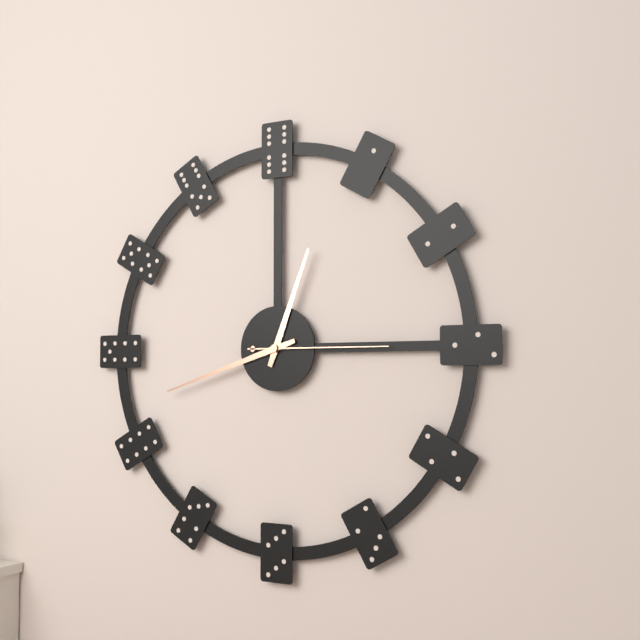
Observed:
{"hour": 12, "minute": 42, "second": 15}
